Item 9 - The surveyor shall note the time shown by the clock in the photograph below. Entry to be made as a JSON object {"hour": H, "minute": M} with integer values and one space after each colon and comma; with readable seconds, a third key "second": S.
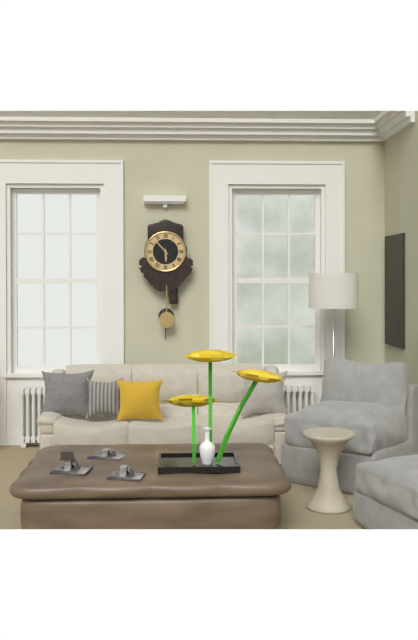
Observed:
{"hour": 5, "minute": 53}
